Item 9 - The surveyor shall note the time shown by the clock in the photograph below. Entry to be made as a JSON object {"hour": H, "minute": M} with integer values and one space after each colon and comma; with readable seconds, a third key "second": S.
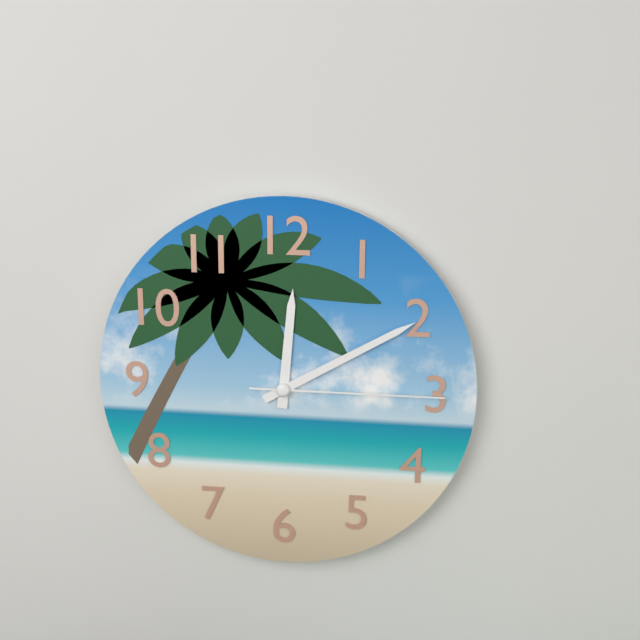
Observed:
{"hour": 12, "minute": 10, "second": 15}
